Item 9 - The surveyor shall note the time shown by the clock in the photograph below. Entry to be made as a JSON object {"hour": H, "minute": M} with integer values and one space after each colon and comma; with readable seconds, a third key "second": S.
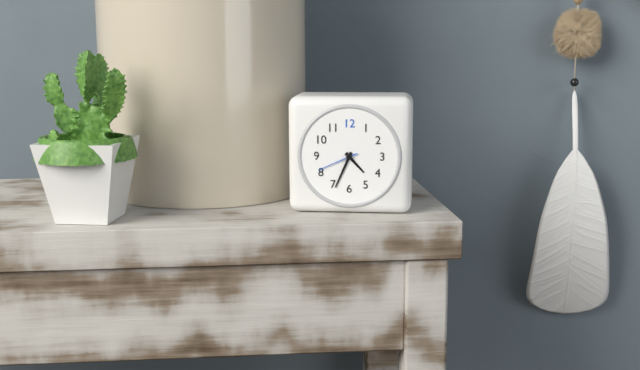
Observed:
{"hour": 4, "minute": 34}
